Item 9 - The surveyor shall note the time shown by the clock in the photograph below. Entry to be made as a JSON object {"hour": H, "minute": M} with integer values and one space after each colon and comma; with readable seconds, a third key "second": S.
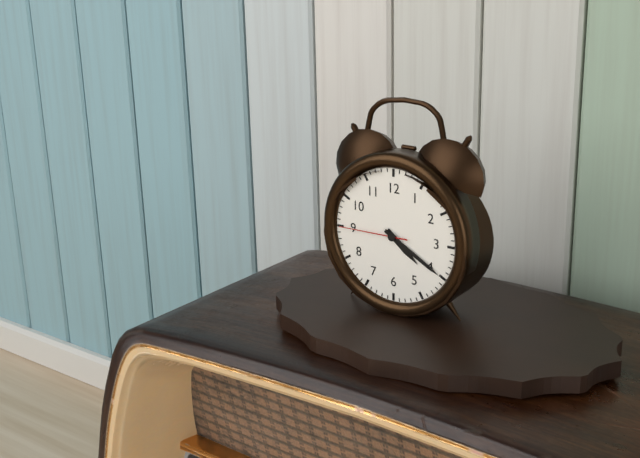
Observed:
{"hour": 4, "minute": 20, "second": 45}
